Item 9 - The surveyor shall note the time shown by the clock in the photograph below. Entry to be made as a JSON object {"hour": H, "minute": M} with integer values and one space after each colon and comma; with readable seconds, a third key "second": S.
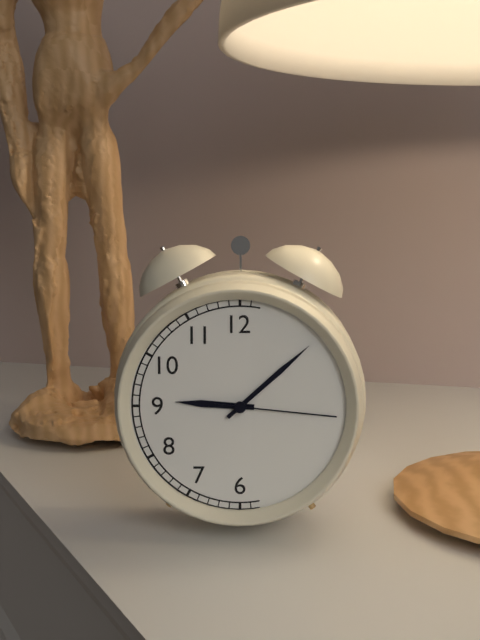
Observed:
{"hour": 9, "minute": 8, "second": 16}
